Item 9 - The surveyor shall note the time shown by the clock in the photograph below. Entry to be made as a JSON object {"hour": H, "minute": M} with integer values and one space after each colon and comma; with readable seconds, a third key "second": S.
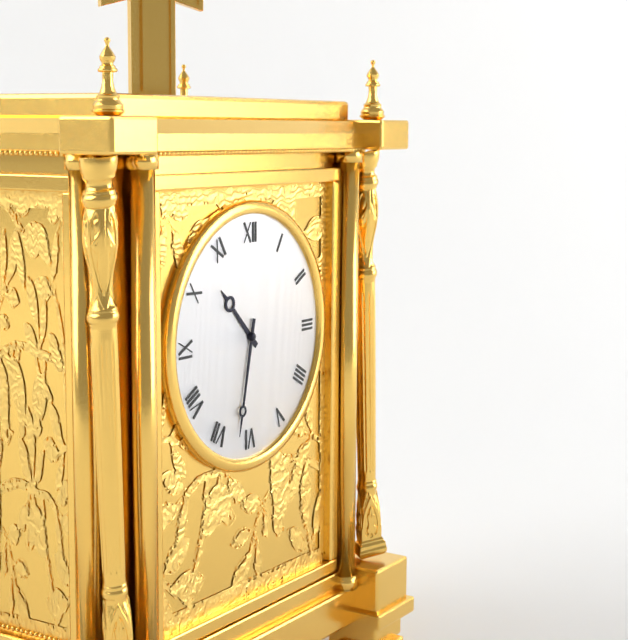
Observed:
{"hour": 10, "minute": 32}
